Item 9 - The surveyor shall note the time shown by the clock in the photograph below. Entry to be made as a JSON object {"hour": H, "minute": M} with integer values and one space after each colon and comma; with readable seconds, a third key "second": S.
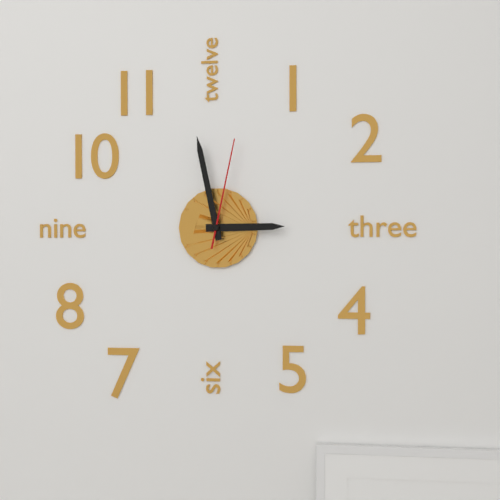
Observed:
{"hour": 2, "minute": 58, "second": 2}
